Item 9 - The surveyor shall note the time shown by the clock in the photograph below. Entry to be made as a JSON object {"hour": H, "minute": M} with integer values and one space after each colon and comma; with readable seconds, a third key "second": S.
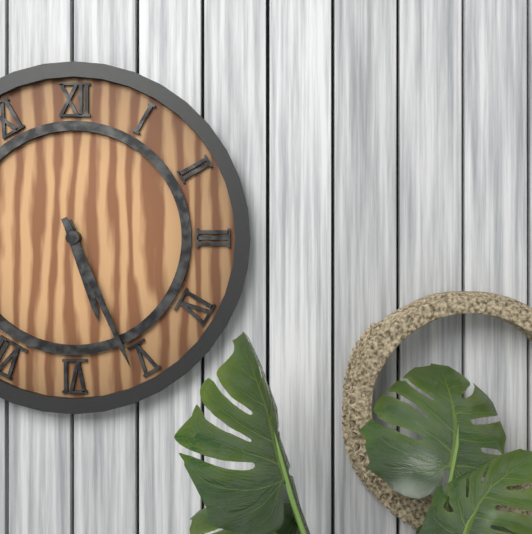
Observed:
{"hour": 5, "minute": 26}
